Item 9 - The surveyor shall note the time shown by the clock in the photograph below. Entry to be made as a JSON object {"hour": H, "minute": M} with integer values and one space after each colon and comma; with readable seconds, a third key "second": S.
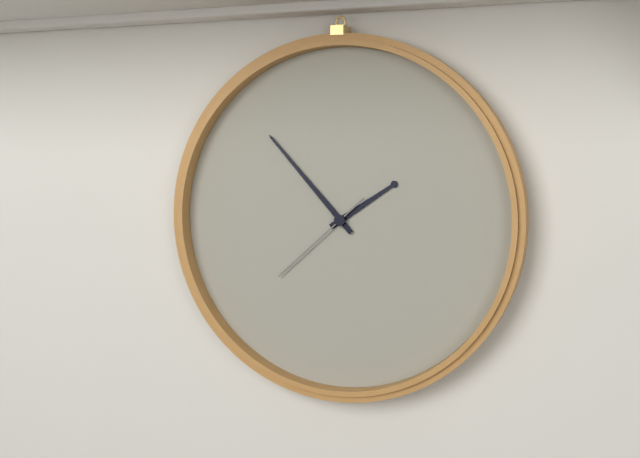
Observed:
{"hour": 1, "minute": 53, "second": 38}
